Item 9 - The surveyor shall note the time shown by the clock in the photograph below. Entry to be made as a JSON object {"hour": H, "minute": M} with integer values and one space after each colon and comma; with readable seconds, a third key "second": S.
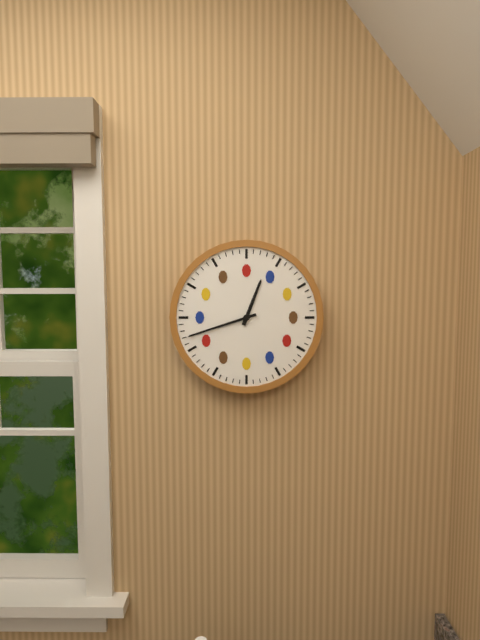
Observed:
{"hour": 12, "minute": 42}
